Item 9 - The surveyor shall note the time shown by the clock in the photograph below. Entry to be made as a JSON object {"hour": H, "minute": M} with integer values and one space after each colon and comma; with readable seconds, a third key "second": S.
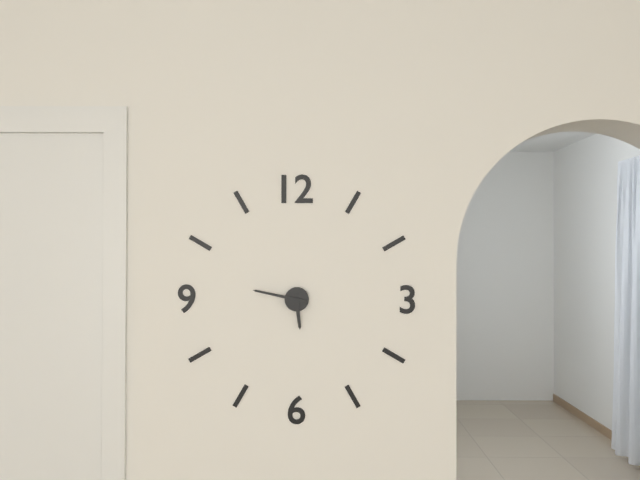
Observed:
{"hour": 5, "minute": 47}
